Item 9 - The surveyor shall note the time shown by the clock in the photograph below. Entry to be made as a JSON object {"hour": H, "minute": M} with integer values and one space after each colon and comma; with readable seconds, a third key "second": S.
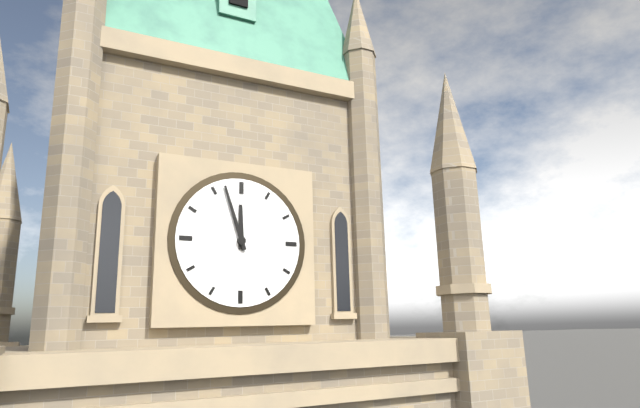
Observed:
{"hour": 11, "minute": 57}
